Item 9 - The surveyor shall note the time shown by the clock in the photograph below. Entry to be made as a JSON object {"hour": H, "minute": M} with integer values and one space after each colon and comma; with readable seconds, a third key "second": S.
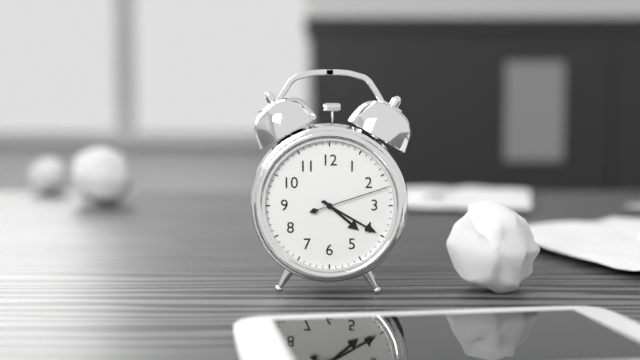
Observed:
{"hour": 4, "minute": 20, "second": 12}
